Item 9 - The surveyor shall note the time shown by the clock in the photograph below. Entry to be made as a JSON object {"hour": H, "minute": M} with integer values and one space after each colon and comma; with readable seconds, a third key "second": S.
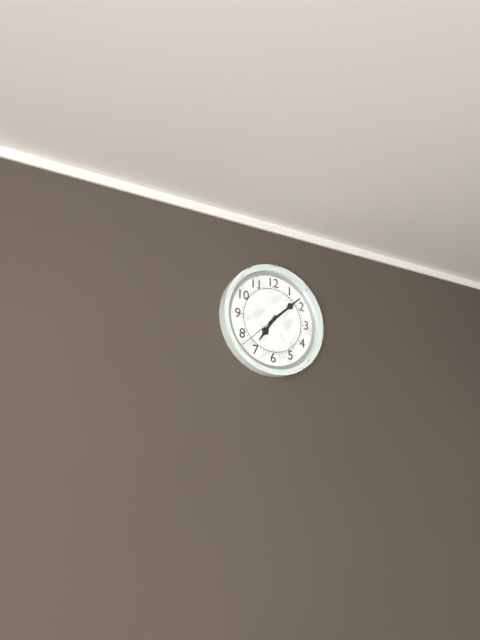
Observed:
{"hour": 7, "minute": 8}
